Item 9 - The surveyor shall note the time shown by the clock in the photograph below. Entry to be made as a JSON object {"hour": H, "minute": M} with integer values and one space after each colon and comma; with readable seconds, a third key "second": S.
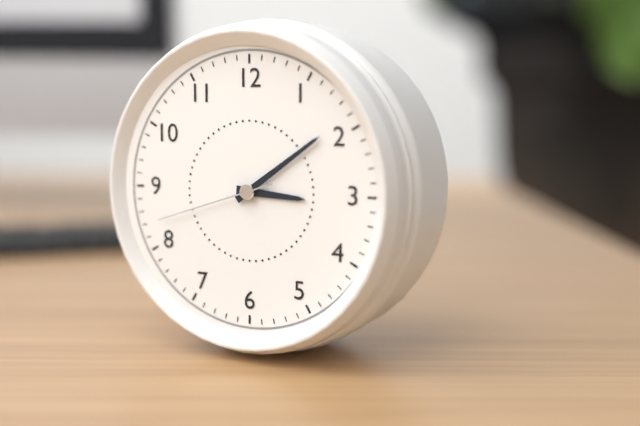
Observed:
{"hour": 3, "minute": 9, "second": 42}
